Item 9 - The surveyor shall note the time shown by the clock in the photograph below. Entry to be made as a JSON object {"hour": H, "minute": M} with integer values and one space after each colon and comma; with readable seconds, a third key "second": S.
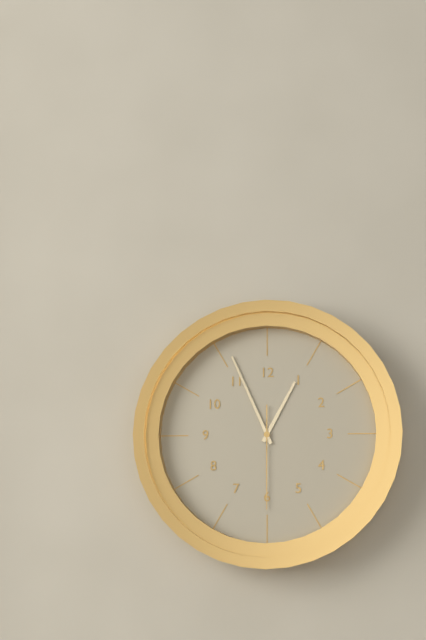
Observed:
{"hour": 12, "minute": 56, "second": 30}
